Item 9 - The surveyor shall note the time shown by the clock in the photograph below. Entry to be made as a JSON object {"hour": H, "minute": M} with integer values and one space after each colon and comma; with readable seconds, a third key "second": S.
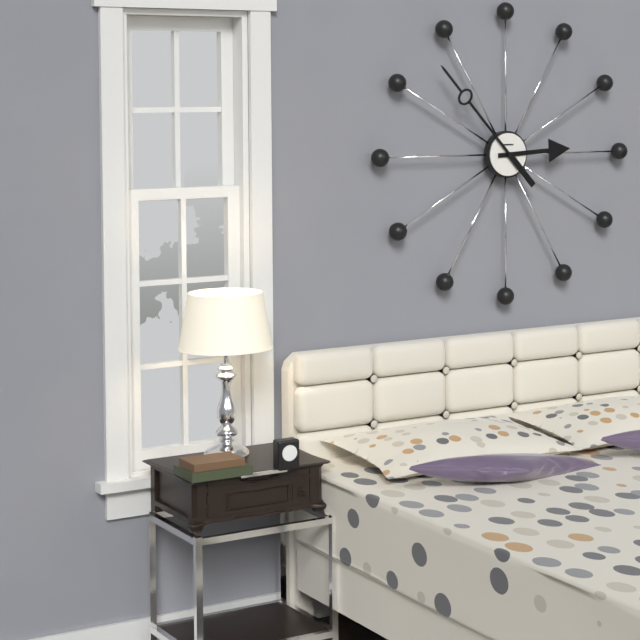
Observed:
{"hour": 2, "minute": 53}
